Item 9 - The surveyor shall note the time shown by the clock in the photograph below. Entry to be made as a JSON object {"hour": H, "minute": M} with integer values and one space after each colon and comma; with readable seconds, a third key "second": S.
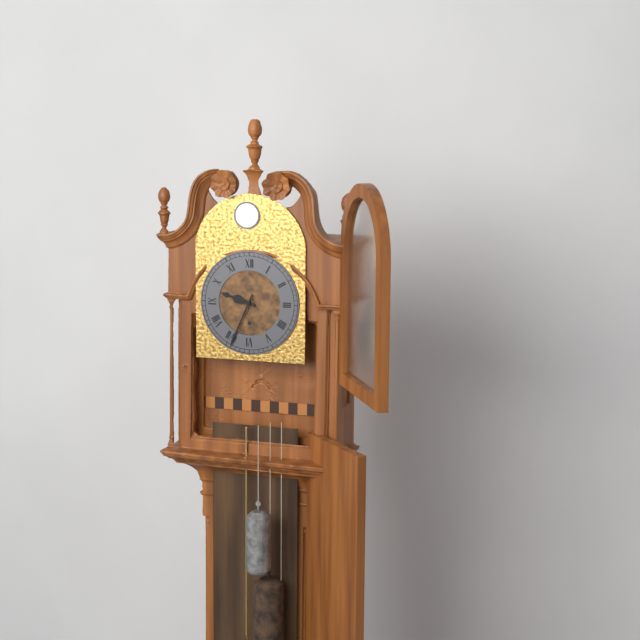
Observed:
{"hour": 9, "minute": 34}
